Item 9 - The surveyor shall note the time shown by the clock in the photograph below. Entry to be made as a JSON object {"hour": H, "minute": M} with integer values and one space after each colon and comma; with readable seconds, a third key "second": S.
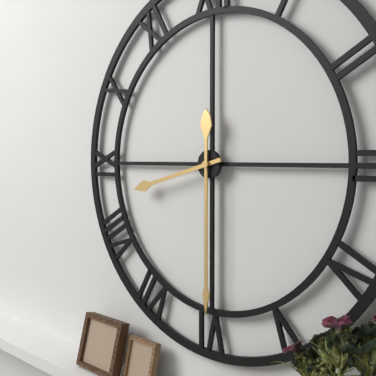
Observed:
{"hour": 8, "minute": 30}
